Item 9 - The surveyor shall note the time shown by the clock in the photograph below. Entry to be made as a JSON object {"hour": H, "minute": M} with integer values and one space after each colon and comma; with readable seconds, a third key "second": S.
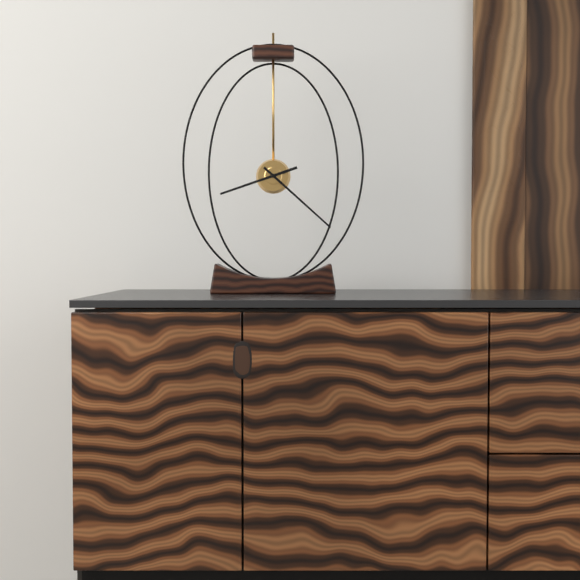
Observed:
{"hour": 8, "minute": 22}
